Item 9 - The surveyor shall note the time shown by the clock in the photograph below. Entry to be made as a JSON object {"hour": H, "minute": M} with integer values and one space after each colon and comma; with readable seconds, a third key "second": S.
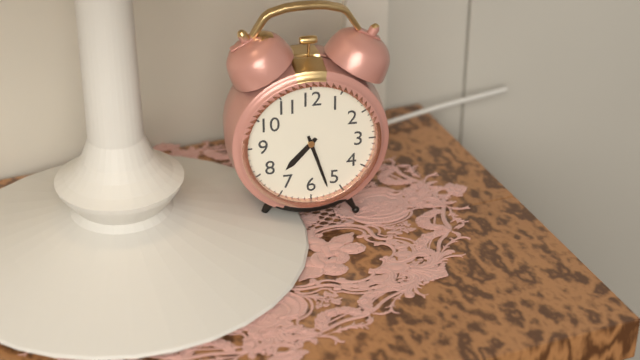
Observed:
{"hour": 7, "minute": 27}
